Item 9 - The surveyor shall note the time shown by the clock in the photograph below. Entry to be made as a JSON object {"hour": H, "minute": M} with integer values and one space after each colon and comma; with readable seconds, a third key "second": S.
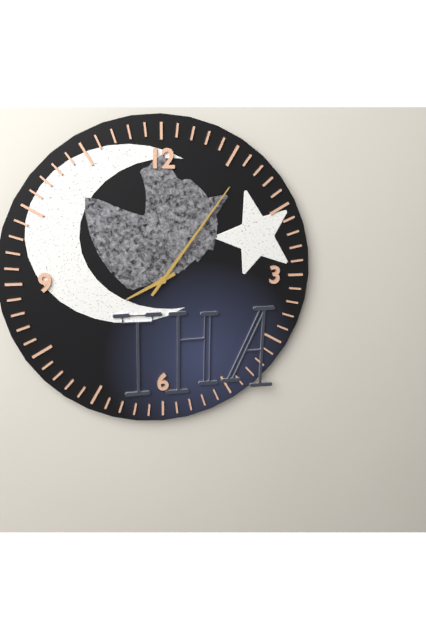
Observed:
{"hour": 8, "minute": 6}
